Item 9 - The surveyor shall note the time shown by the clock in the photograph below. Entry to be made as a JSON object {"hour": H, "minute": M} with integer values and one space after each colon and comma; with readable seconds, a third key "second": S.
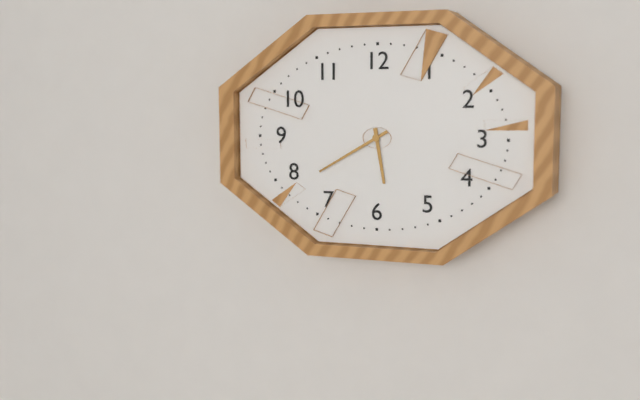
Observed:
{"hour": 5, "minute": 40}
